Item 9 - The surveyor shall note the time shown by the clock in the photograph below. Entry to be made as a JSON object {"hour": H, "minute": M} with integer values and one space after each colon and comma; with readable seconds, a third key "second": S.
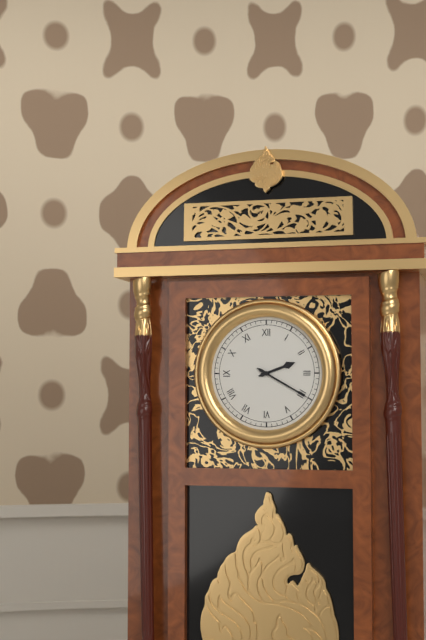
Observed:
{"hour": 2, "minute": 20}
